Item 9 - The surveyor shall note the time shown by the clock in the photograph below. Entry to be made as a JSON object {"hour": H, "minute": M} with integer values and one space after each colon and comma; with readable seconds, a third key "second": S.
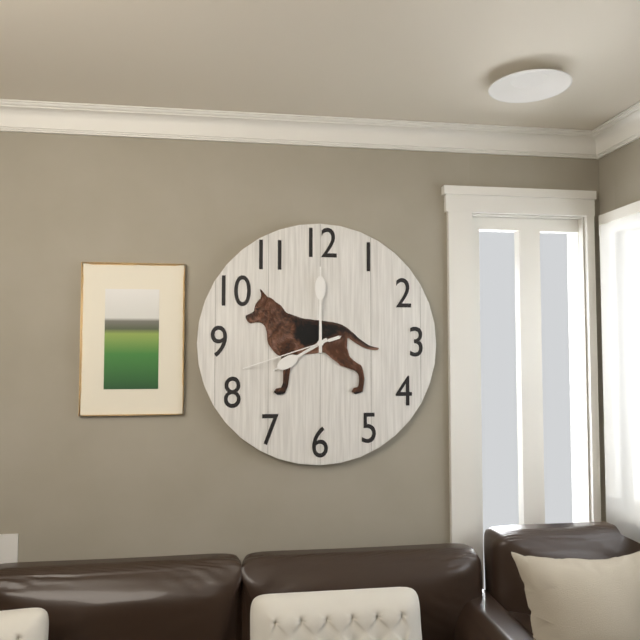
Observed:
{"hour": 8, "minute": 0, "second": 42}
